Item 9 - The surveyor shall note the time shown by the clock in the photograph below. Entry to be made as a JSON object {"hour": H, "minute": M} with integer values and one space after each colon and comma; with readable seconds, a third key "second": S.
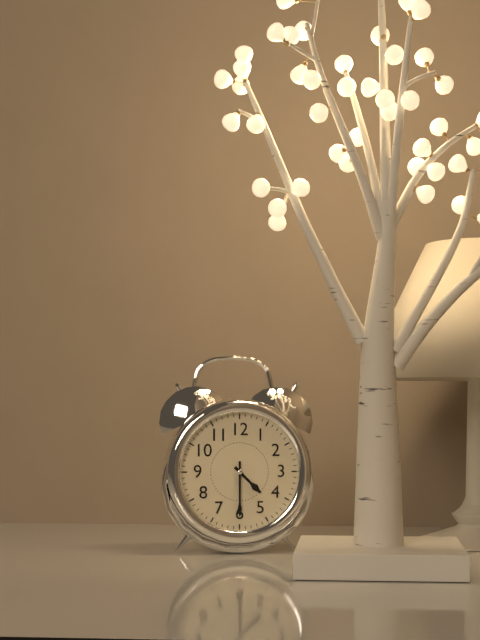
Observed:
{"hour": 4, "minute": 30}
